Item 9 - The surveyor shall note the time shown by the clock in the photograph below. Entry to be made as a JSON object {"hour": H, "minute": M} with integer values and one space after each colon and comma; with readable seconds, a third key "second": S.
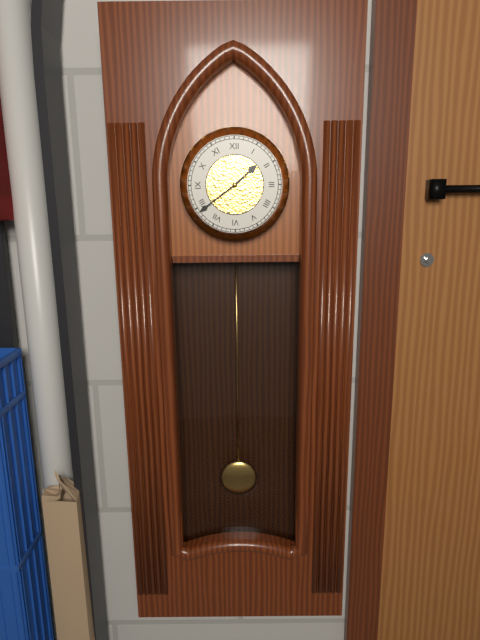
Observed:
{"hour": 1, "minute": 39}
